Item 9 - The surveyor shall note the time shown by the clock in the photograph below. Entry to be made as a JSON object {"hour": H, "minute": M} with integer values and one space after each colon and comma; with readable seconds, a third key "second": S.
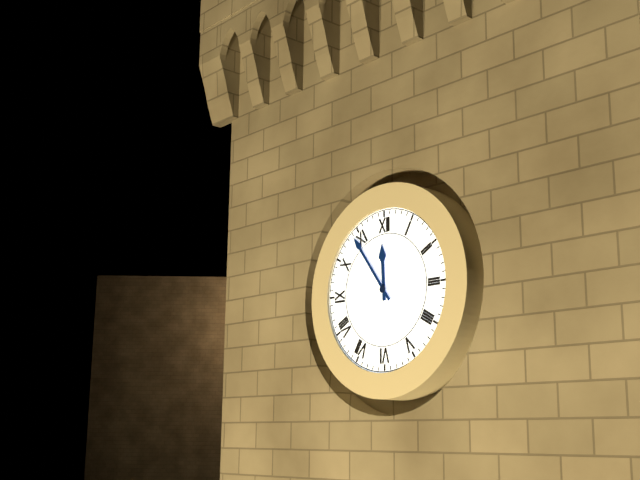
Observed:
{"hour": 11, "minute": 54}
